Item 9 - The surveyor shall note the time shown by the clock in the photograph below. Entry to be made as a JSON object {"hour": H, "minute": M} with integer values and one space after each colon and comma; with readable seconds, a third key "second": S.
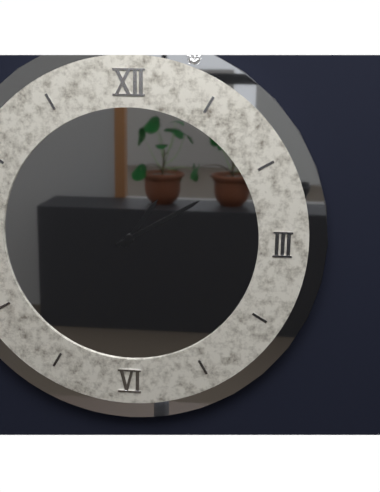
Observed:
{"hour": 1, "minute": 10}
